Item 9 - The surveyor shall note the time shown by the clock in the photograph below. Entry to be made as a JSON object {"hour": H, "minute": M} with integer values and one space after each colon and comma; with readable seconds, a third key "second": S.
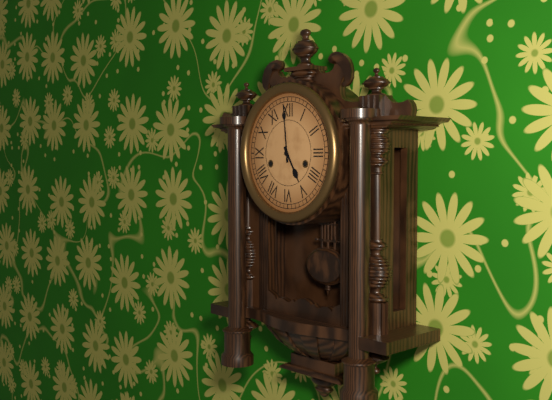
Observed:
{"hour": 4, "minute": 59}
